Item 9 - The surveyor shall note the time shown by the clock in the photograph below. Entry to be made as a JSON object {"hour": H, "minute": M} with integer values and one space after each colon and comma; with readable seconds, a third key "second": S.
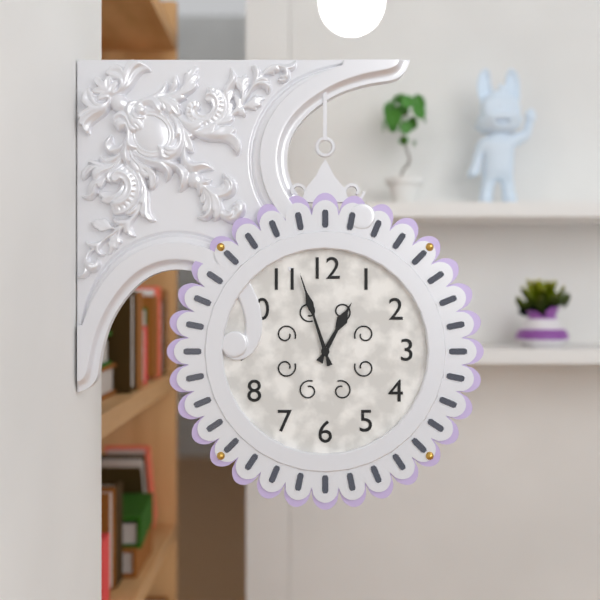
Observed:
{"hour": 12, "minute": 57}
